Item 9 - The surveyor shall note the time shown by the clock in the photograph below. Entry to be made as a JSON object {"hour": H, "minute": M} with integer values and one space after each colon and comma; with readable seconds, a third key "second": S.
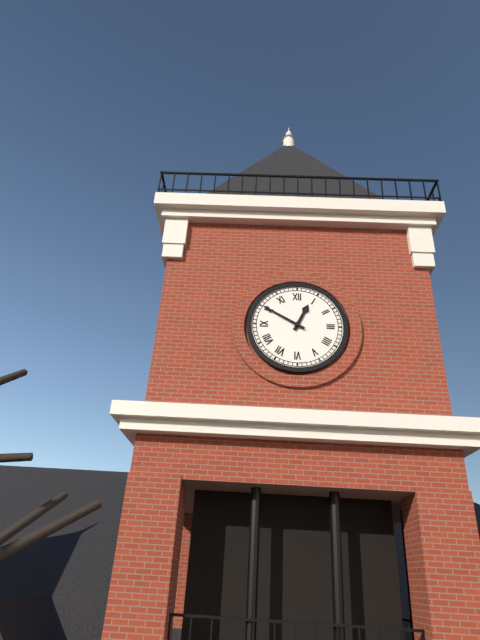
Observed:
{"hour": 12, "minute": 50}
